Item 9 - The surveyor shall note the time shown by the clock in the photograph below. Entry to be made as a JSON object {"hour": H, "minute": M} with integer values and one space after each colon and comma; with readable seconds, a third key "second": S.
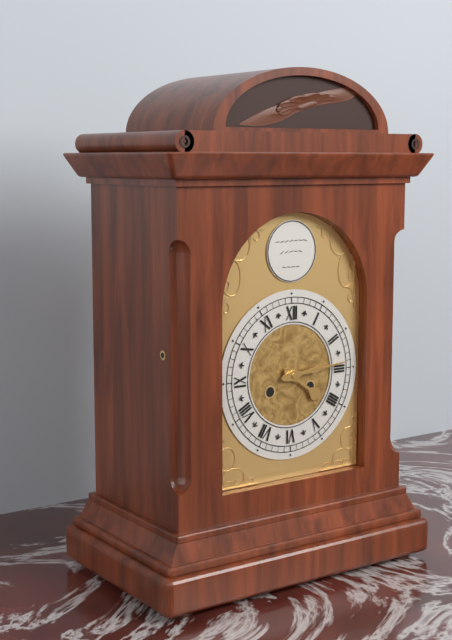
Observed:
{"hour": 4, "minute": 14}
